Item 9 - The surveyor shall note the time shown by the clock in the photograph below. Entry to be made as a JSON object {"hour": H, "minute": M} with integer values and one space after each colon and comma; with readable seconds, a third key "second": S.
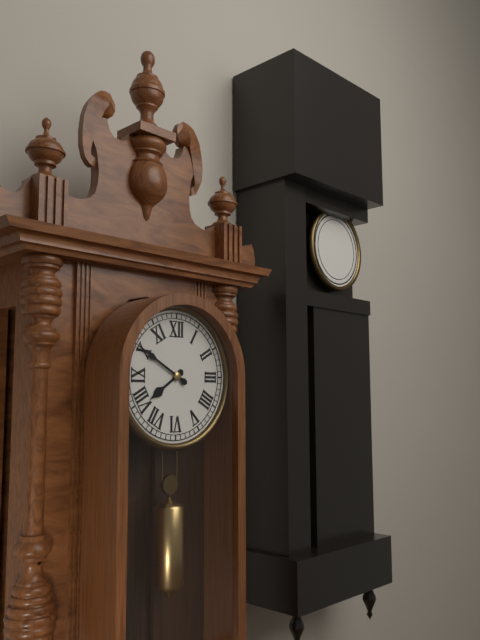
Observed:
{"hour": 7, "minute": 50}
